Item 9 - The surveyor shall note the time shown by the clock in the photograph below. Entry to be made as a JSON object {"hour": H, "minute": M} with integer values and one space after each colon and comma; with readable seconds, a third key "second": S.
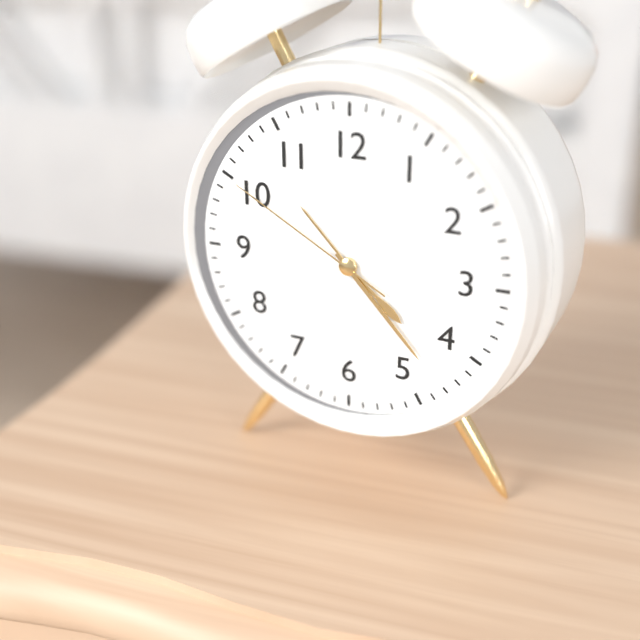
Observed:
{"hour": 4, "minute": 23, "second": 50}
